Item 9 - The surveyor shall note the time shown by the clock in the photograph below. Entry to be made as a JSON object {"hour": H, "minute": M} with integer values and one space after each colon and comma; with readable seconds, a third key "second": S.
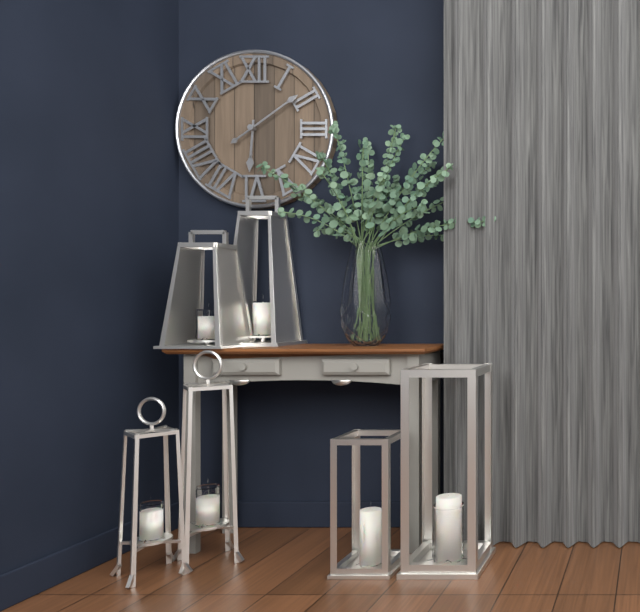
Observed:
{"hour": 6, "minute": 9}
